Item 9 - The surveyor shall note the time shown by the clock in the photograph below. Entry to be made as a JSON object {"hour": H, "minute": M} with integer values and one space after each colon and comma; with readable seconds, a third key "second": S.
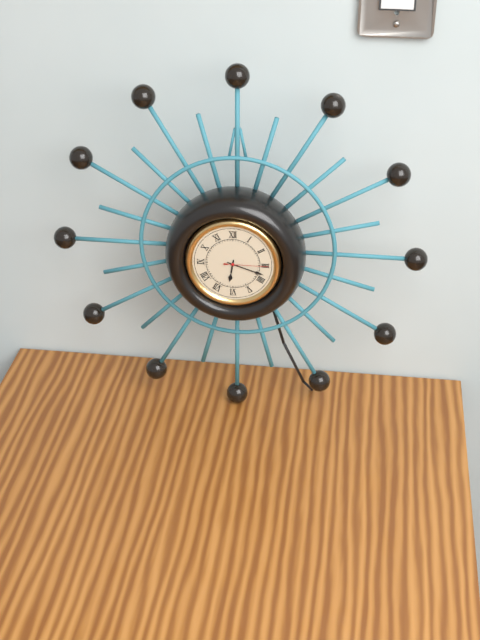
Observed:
{"hour": 6, "minute": 18}
